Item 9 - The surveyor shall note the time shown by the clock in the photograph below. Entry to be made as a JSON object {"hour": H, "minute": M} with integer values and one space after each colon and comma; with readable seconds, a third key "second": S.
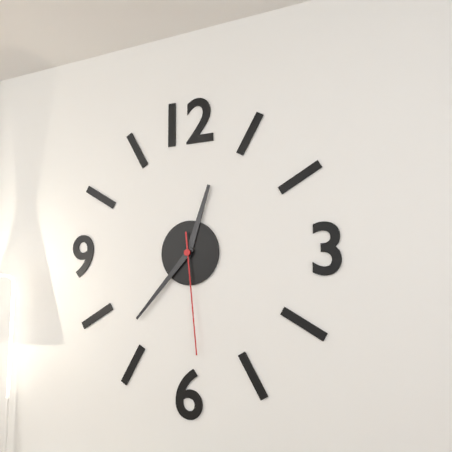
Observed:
{"hour": 12, "minute": 37, "second": 29}
